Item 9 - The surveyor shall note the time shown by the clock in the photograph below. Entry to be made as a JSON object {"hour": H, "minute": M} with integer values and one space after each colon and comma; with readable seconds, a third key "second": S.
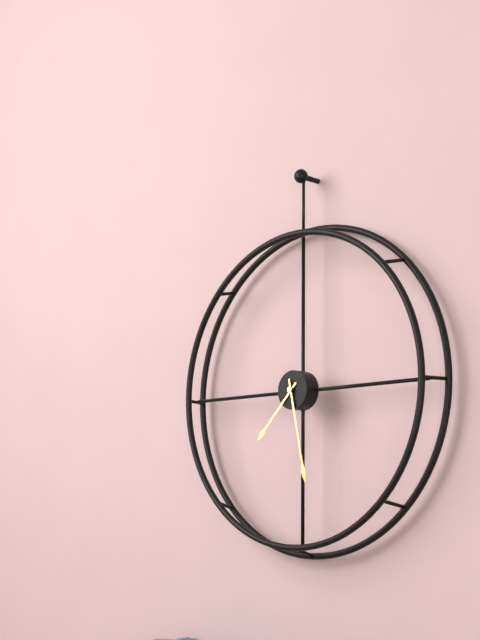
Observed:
{"hour": 7, "minute": 28}
